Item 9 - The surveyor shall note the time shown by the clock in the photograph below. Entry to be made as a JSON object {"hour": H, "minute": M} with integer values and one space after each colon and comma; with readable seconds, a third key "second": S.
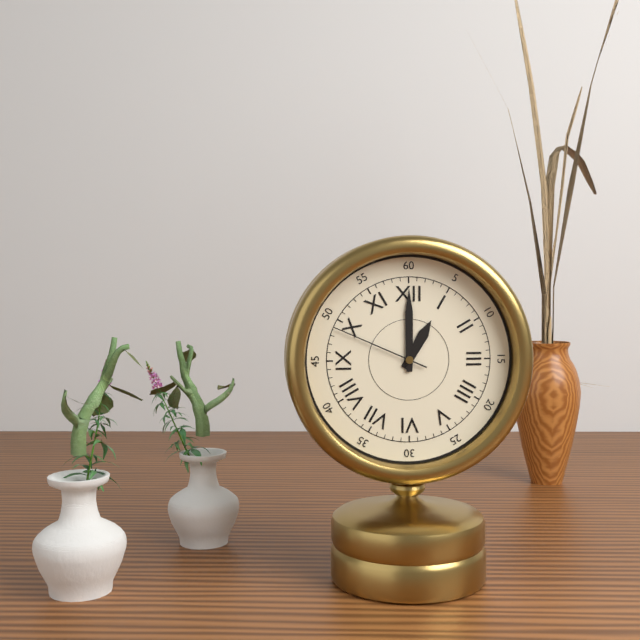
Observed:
{"hour": 1, "minute": 0, "second": 49}
